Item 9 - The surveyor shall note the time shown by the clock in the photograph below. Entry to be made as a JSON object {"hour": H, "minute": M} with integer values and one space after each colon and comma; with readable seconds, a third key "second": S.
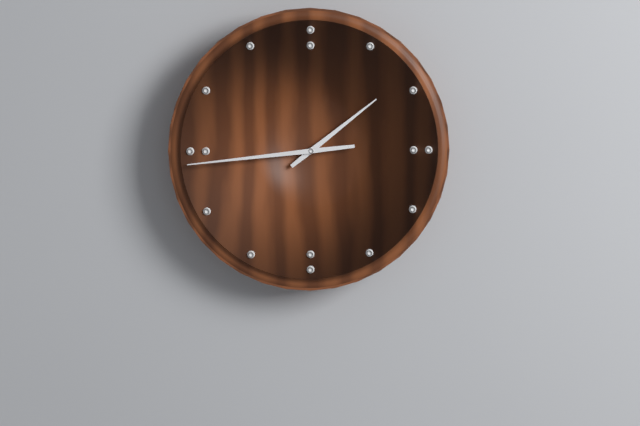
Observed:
{"hour": 1, "minute": 44}
